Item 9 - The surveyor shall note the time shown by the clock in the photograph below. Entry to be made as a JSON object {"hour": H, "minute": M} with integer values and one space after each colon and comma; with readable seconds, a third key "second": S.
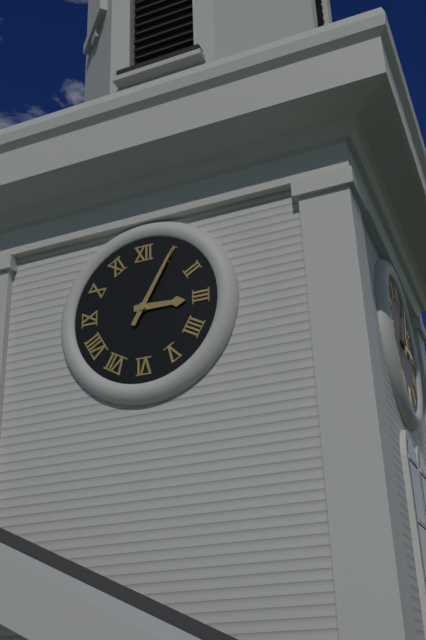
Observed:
{"hour": 3, "minute": 5}
